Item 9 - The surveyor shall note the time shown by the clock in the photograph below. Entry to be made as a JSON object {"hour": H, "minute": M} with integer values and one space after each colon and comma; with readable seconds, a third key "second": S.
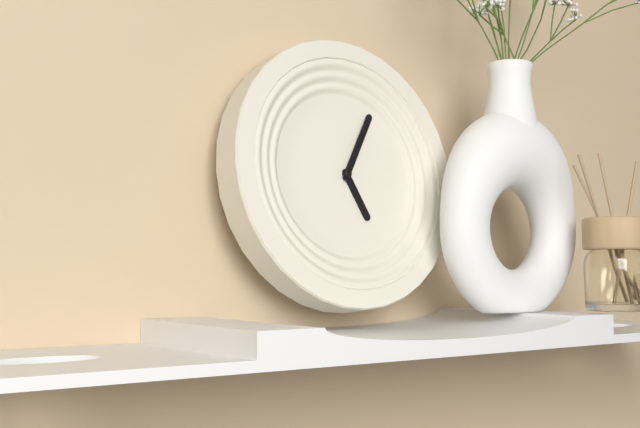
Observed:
{"hour": 5, "minute": 5}
